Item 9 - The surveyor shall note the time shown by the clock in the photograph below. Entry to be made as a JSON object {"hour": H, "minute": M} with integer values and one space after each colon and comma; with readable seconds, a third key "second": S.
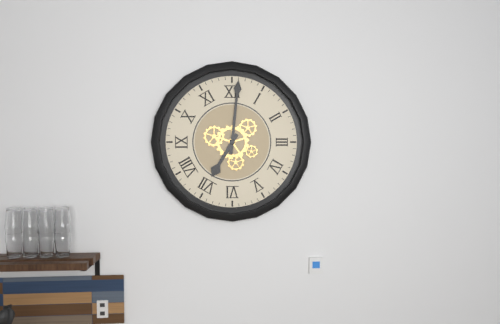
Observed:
{"hour": 7, "minute": 1}
